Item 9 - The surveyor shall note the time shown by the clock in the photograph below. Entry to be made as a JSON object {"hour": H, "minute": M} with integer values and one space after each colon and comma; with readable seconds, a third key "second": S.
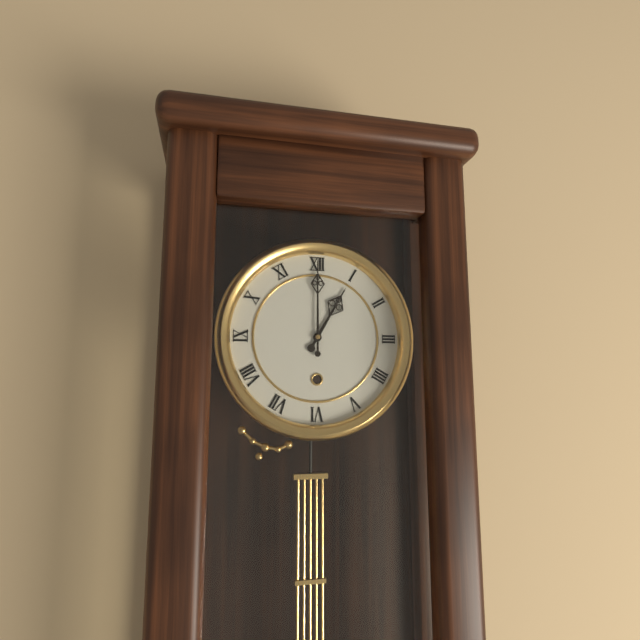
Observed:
{"hour": 1, "minute": 0}
